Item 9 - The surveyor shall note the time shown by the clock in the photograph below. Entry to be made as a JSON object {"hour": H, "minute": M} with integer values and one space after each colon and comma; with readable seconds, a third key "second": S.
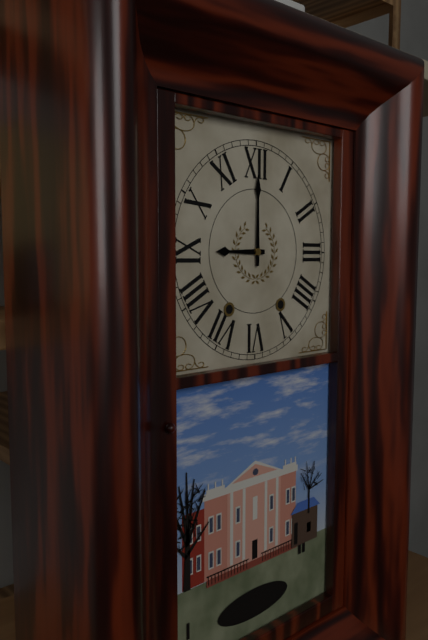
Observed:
{"hour": 9, "minute": 0}
